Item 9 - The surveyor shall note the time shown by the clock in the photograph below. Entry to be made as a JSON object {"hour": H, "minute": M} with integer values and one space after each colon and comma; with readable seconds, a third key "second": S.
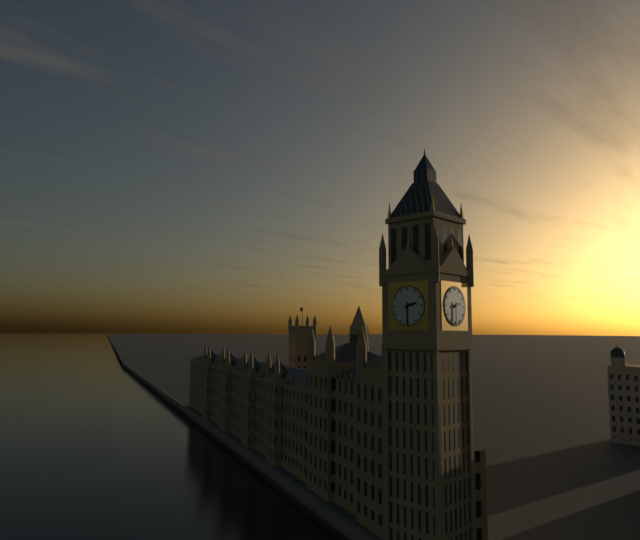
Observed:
{"hour": 2, "minute": 30}
